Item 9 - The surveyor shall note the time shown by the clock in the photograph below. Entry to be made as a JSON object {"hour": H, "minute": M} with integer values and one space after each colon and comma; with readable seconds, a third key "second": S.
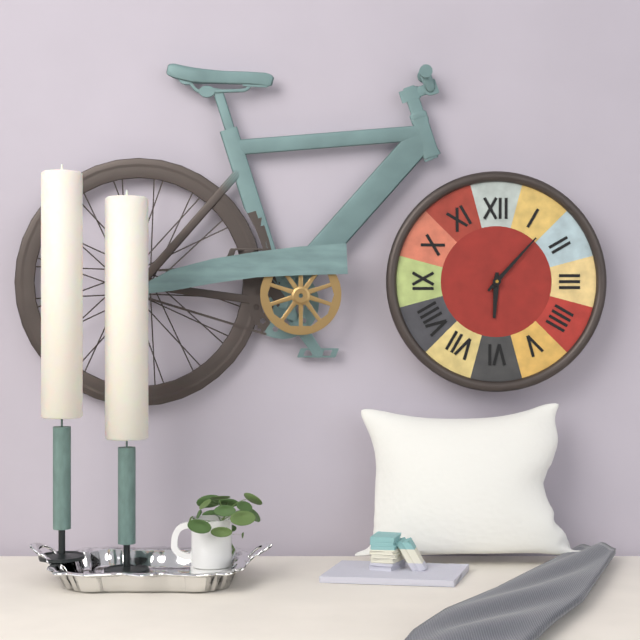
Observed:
{"hour": 6, "minute": 7}
